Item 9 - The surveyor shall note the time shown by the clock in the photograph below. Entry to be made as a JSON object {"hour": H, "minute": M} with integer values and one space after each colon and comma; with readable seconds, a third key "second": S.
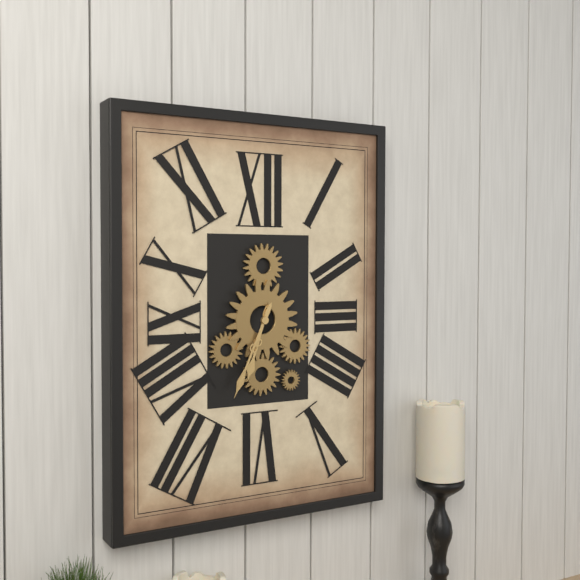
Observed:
{"hour": 6, "minute": 34}
